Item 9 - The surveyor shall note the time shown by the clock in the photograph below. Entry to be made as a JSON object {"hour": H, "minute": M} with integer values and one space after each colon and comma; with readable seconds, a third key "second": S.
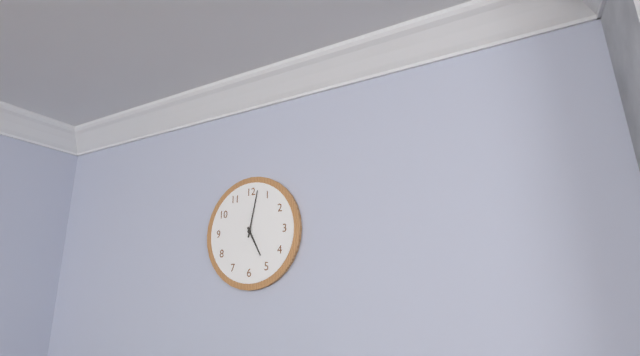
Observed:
{"hour": 5, "minute": 2}
